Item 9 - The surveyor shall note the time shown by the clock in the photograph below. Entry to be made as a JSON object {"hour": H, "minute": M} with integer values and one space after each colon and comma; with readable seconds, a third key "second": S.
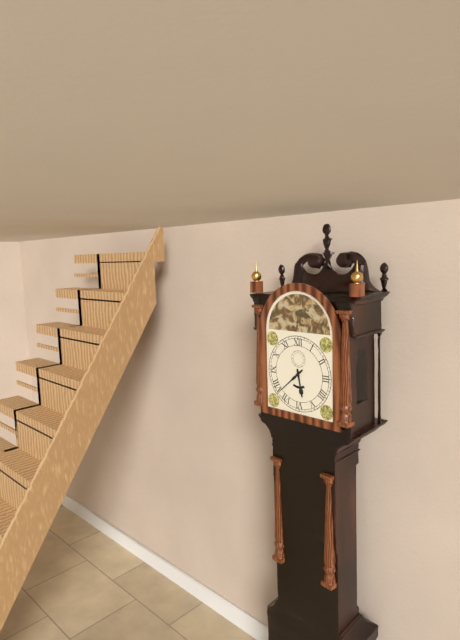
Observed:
{"hour": 5, "minute": 38}
